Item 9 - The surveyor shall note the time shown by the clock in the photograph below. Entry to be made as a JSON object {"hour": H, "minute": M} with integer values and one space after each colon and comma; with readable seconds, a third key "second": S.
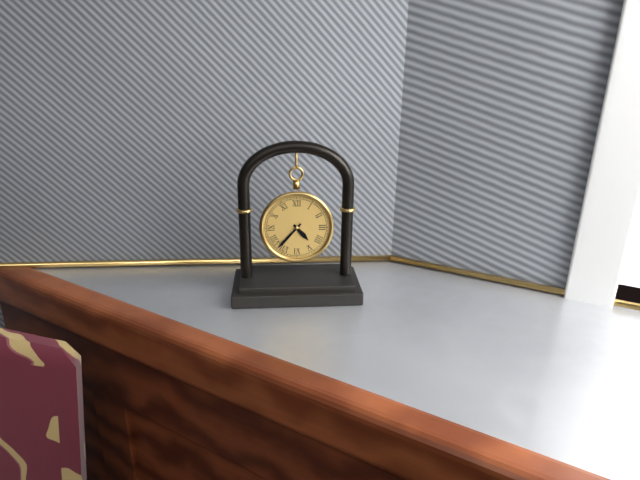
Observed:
{"hour": 4, "minute": 37}
